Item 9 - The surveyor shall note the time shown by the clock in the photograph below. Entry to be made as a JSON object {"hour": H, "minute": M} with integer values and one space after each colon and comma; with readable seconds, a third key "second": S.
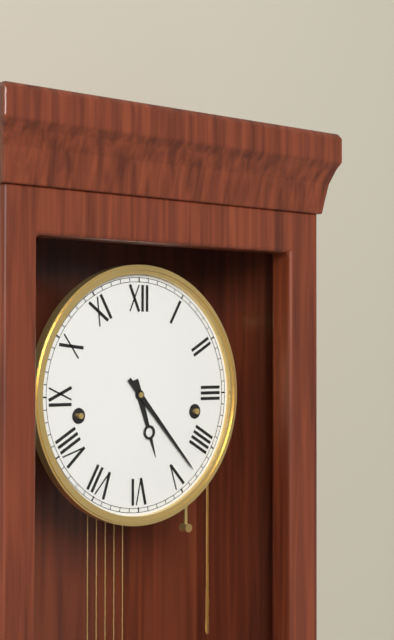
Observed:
{"hour": 5, "minute": 23}
